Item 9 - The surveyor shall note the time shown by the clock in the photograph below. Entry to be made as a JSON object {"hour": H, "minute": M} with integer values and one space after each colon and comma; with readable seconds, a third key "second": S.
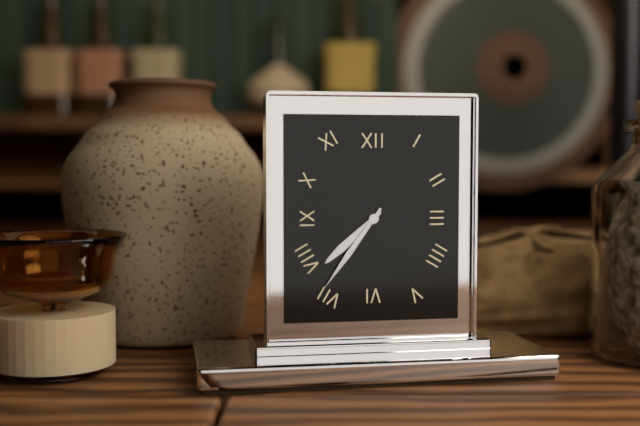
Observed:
{"hour": 7, "minute": 36}
